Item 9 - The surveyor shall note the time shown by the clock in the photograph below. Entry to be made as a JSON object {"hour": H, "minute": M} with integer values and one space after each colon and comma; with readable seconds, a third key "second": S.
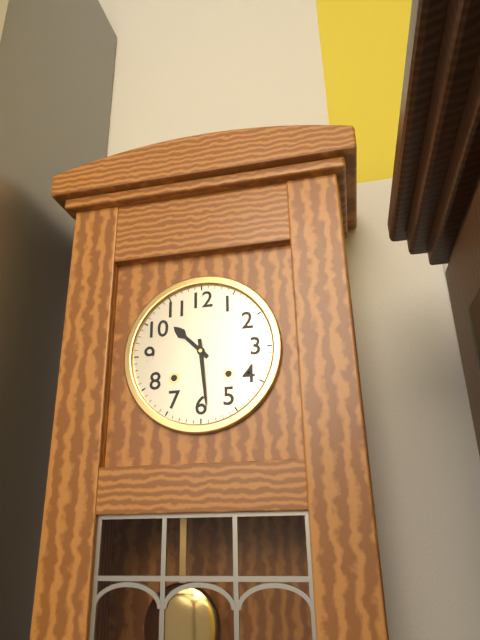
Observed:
{"hour": 10, "minute": 29}
